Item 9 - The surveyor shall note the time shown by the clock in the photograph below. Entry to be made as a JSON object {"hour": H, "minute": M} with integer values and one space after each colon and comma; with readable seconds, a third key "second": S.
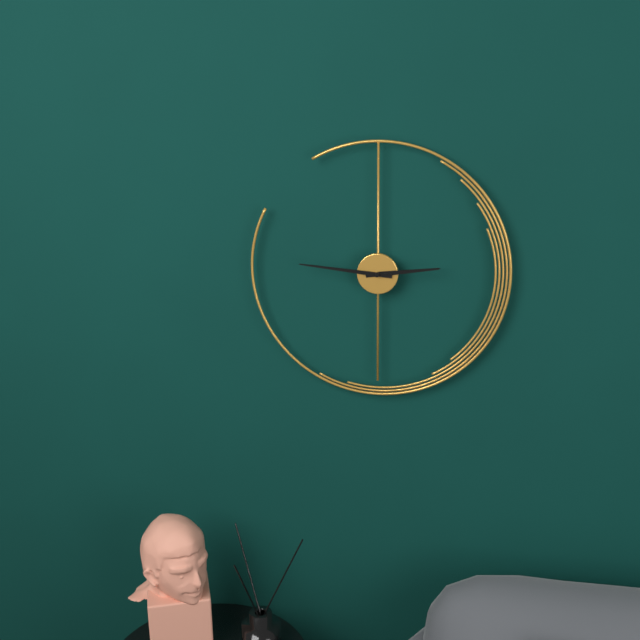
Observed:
{"hour": 2, "minute": 46}
